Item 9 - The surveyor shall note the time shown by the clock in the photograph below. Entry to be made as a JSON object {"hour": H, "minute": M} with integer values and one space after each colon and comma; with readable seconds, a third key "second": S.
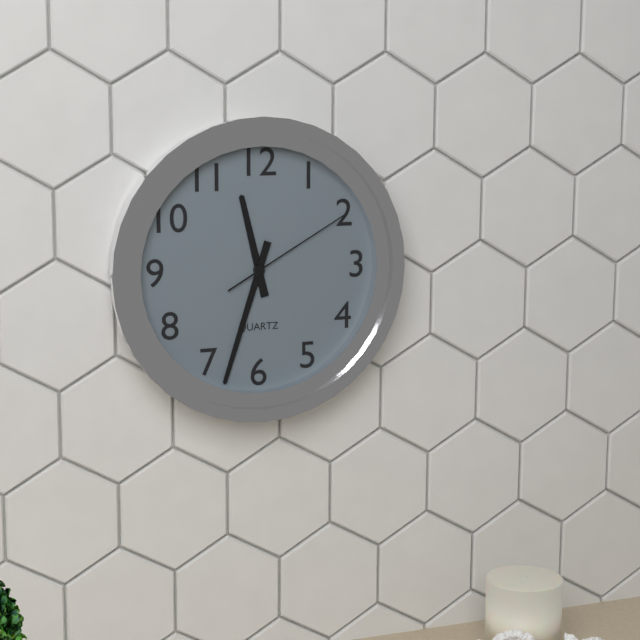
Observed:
{"hour": 11, "minute": 33, "second": 10}
